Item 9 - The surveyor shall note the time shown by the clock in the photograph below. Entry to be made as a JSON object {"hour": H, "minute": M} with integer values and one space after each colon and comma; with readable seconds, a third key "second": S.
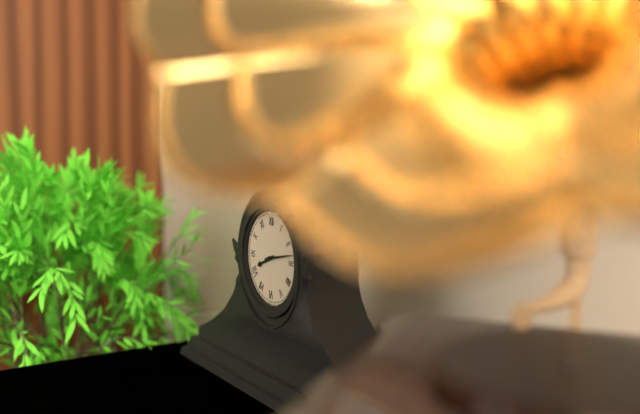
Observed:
{"hour": 8, "minute": 13}
